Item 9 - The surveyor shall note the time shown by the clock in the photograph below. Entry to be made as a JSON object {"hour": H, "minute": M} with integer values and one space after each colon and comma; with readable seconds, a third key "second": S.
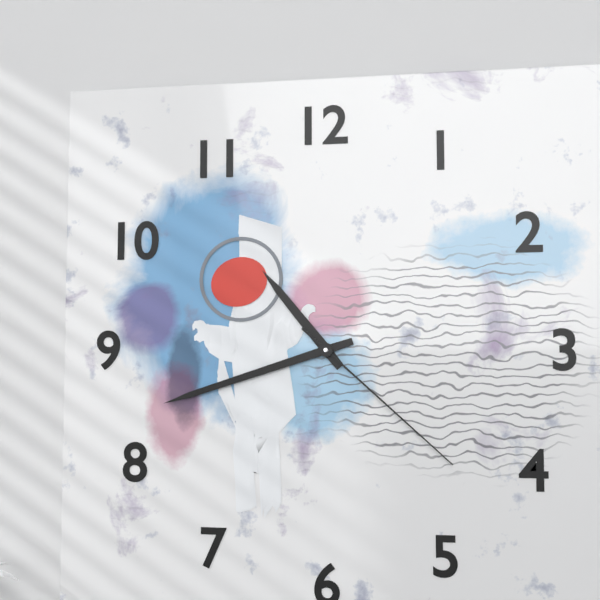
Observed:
{"hour": 10, "minute": 42, "second": 22}
